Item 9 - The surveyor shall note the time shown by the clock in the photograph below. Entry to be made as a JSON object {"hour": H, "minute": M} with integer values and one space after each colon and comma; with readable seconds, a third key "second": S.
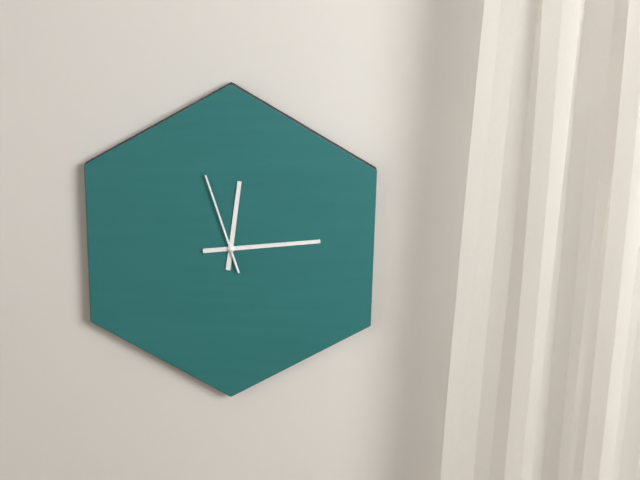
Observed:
{"hour": 12, "minute": 14, "second": 57}
